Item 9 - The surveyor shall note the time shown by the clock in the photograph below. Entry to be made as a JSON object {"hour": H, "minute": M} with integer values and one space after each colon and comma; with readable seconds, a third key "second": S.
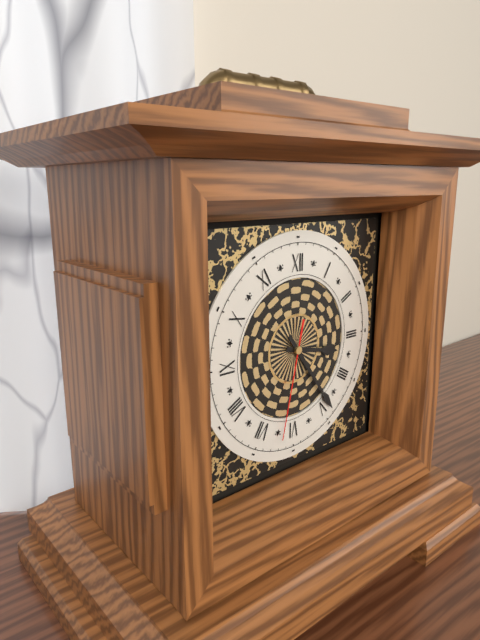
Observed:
{"hour": 3, "minute": 24, "second": 32}
